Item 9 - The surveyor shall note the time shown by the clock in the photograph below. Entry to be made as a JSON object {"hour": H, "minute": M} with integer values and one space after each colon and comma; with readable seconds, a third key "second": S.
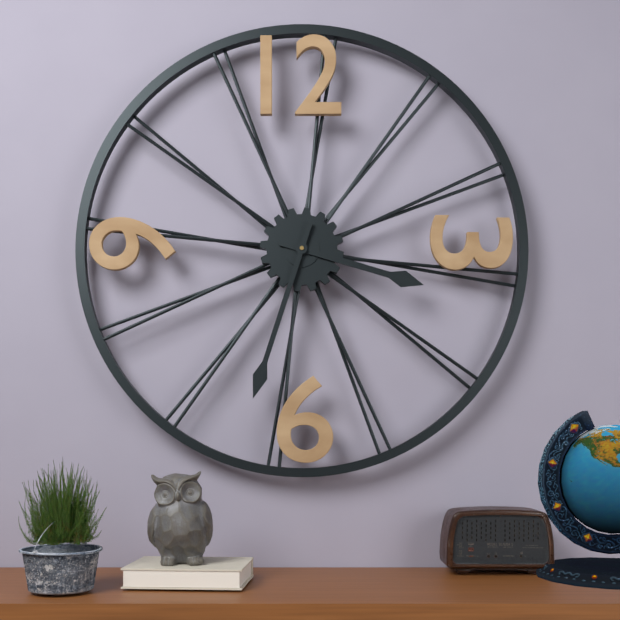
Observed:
{"hour": 3, "minute": 33}
